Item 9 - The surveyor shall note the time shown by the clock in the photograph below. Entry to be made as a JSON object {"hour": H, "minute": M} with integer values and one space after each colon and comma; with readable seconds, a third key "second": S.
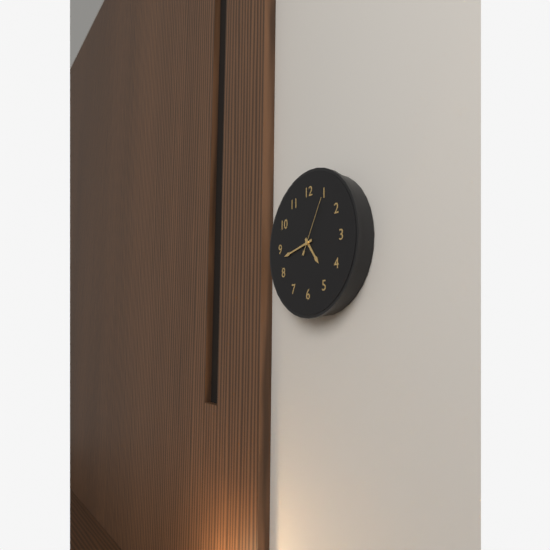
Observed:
{"hour": 4, "minute": 43, "second": 5}
